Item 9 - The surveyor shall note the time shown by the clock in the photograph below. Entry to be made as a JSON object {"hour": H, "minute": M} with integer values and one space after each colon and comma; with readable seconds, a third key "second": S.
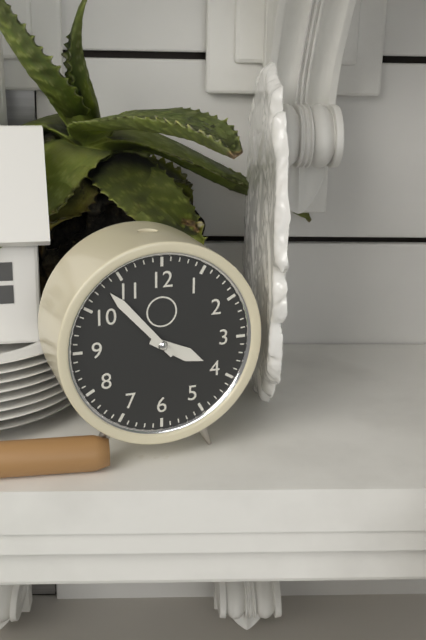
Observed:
{"hour": 3, "minute": 53}
